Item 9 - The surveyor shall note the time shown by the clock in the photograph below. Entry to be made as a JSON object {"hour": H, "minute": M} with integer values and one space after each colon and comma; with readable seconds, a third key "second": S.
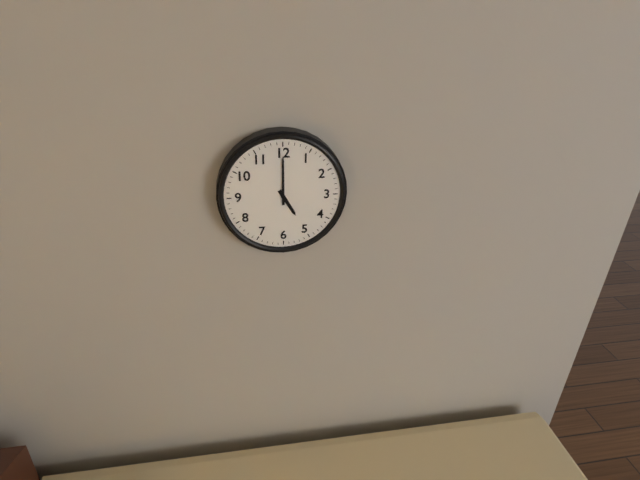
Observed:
{"hour": 5, "minute": 0}
